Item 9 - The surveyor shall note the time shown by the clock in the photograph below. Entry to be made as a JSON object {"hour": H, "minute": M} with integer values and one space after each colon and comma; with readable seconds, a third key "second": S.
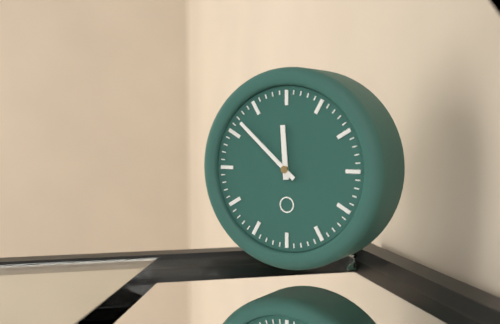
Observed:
{"hour": 11, "minute": 52}
